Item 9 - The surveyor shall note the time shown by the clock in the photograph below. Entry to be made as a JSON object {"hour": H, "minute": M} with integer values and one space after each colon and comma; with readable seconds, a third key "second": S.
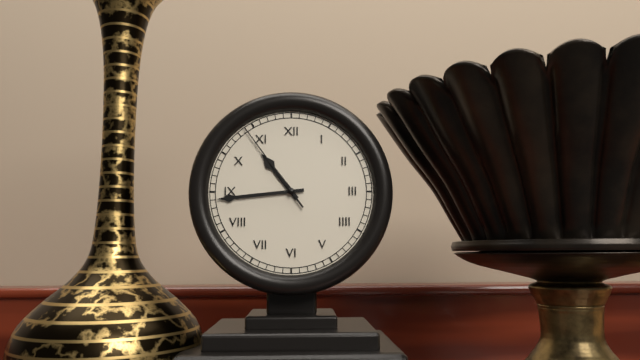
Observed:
{"hour": 10, "minute": 44, "second": 54}
